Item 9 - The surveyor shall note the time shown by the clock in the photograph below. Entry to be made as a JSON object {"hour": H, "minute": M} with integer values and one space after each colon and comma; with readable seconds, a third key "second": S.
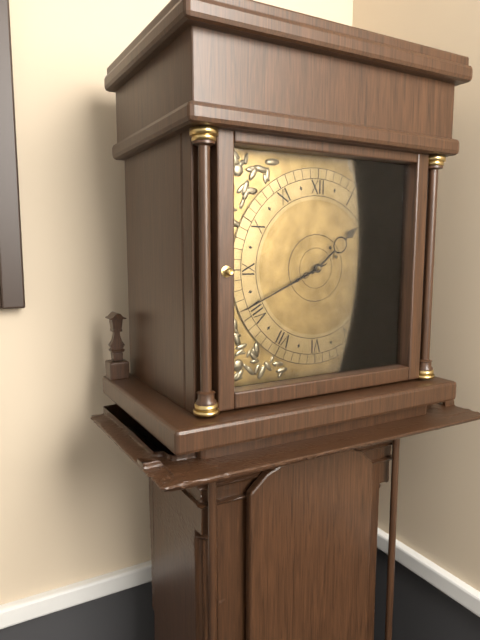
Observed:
{"hour": 1, "minute": 41}
